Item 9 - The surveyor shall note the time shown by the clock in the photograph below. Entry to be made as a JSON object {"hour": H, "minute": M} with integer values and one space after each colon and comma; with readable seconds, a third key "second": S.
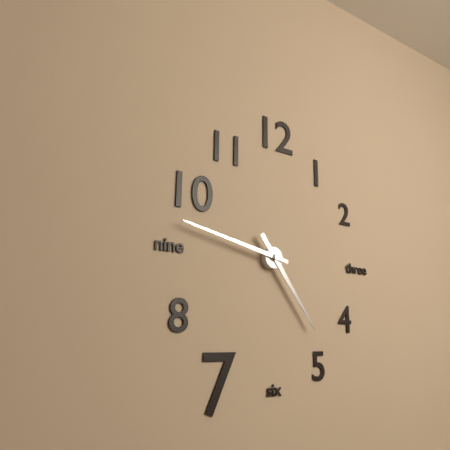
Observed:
{"hour": 4, "minute": 47}
